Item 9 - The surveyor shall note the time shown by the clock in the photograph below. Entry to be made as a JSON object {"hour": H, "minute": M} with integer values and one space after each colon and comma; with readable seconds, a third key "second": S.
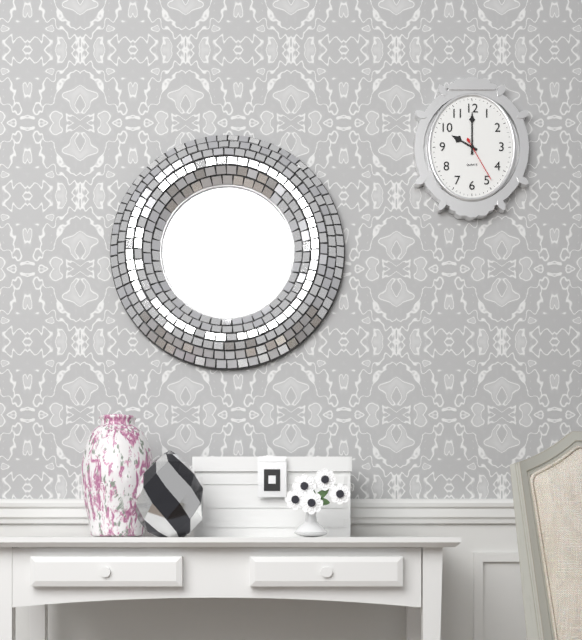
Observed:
{"hour": 10, "minute": 0}
